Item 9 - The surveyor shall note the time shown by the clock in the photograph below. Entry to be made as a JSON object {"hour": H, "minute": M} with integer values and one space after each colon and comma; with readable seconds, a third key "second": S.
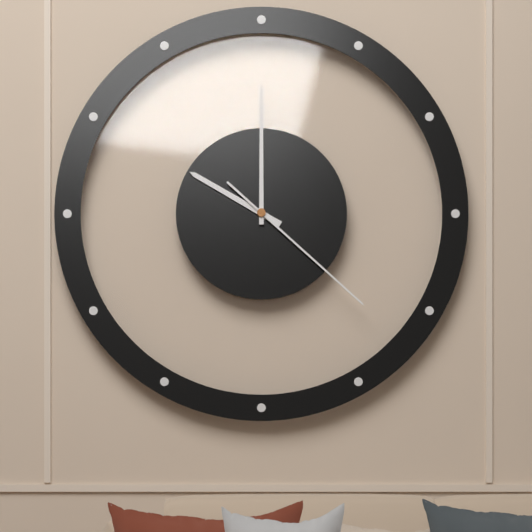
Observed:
{"hour": 10, "minute": 0, "second": 22}
